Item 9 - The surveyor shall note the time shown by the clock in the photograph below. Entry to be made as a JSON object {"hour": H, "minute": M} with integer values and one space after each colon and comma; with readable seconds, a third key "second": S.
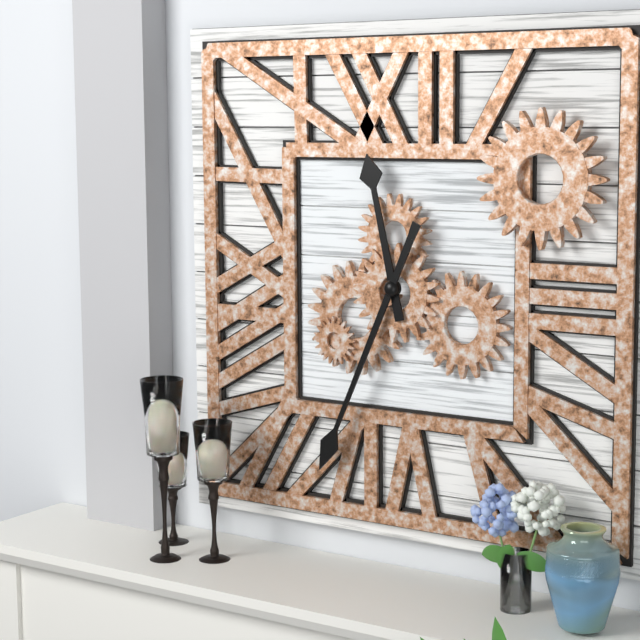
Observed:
{"hour": 11, "minute": 34}
